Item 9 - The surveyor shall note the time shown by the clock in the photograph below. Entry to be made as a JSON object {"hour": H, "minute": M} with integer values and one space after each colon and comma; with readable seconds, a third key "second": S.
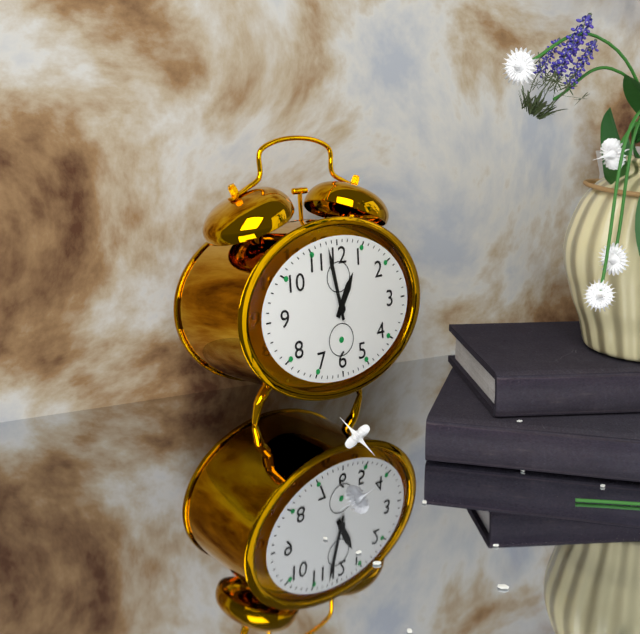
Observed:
{"hour": 12, "minute": 58}
